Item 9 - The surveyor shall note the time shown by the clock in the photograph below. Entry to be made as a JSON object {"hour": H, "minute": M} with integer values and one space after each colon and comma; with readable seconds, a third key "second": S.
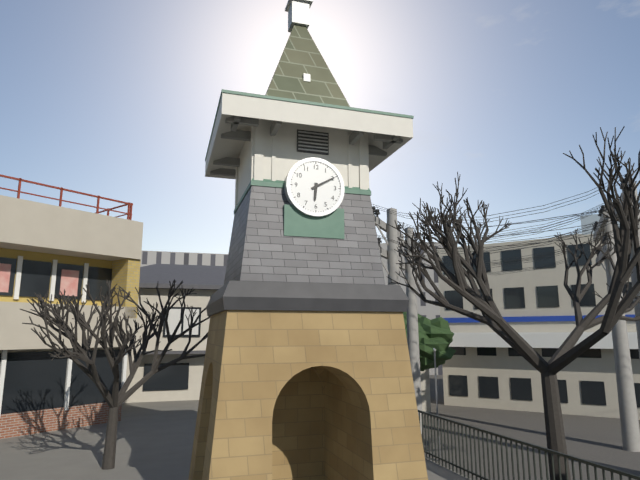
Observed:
{"hour": 6, "minute": 10}
